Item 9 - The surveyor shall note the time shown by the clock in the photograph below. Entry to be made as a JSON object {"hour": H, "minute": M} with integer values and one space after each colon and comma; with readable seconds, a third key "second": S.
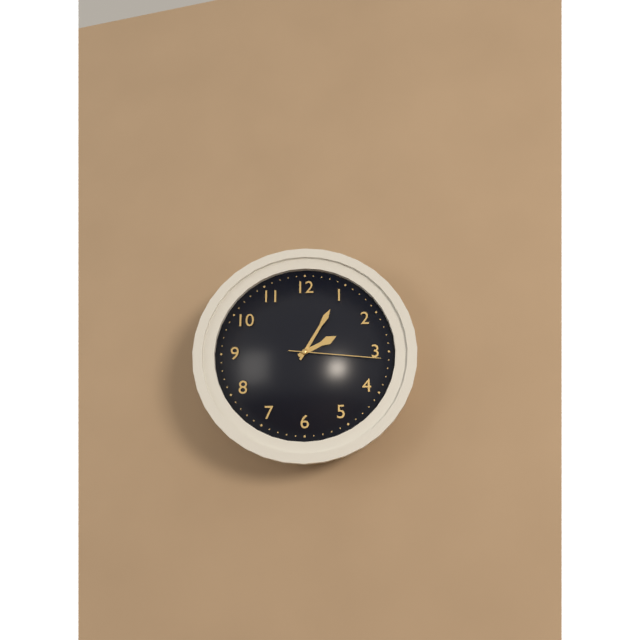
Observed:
{"hour": 2, "minute": 5, "second": 16}
